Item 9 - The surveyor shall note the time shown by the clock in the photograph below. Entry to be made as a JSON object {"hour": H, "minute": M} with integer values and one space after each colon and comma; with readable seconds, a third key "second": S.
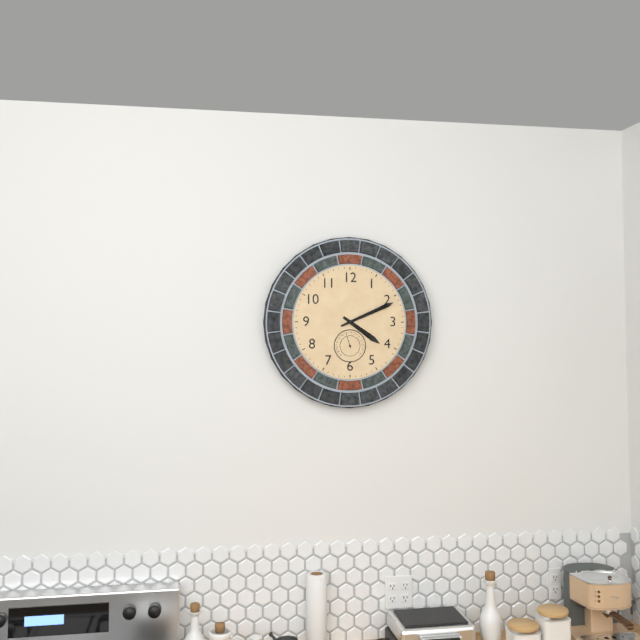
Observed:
{"hour": 4, "minute": 11}
